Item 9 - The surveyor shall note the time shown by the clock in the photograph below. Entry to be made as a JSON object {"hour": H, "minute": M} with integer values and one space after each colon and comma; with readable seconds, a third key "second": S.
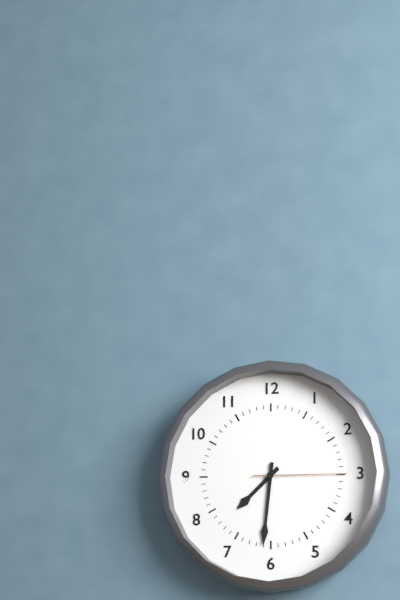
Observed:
{"hour": 7, "minute": 31, "second": 15}
